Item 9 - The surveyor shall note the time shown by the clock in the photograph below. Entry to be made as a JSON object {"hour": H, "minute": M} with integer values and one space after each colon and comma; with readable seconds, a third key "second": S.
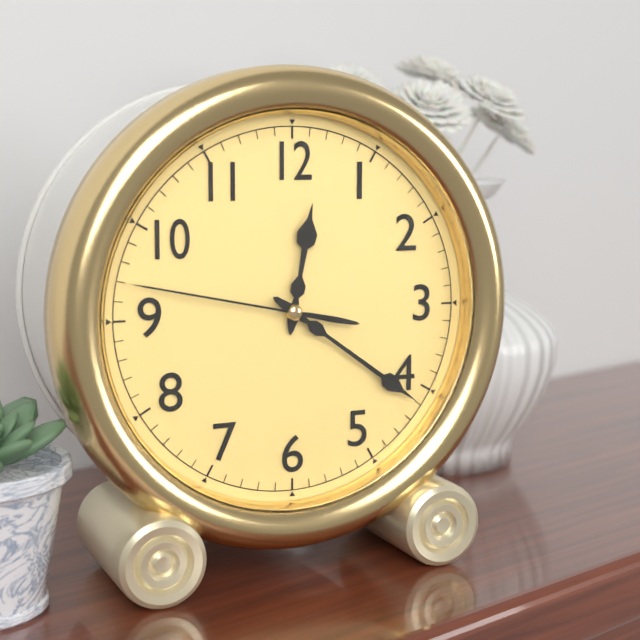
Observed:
{"hour": 12, "minute": 21, "second": 47}
